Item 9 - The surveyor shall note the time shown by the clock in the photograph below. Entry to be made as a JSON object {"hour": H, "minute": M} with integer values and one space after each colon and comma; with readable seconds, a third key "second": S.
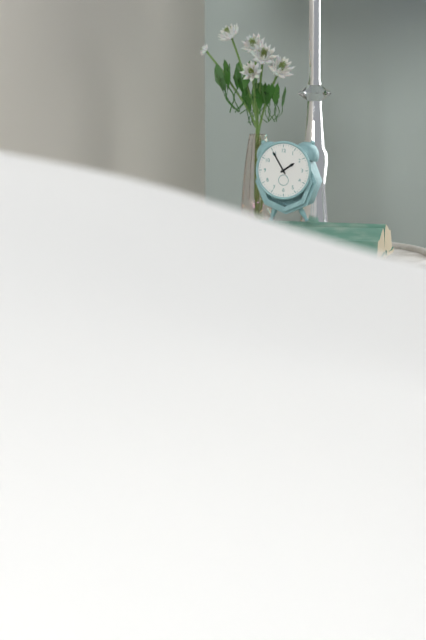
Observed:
{"hour": 1, "minute": 55}
